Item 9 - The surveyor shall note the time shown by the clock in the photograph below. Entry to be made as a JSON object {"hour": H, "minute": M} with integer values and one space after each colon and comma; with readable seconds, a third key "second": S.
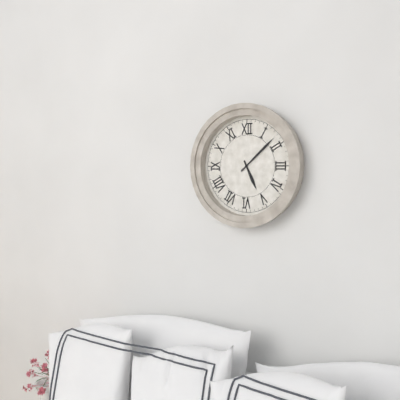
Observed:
{"hour": 5, "minute": 8}
